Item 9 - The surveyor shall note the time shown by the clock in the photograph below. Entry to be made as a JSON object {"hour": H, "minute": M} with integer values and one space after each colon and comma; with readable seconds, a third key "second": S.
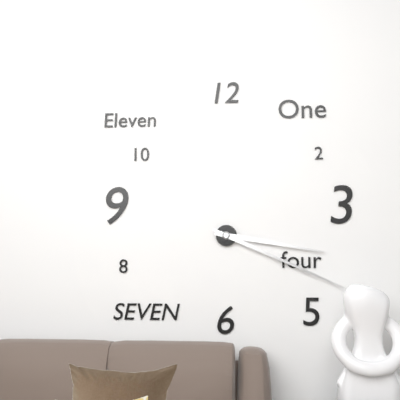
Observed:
{"hour": 3, "minute": 19}
